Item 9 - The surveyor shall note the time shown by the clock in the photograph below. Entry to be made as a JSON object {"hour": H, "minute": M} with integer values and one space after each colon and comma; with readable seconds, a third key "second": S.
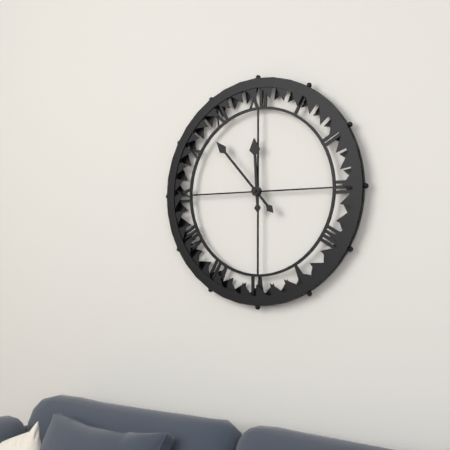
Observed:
{"hour": 11, "minute": 53}
